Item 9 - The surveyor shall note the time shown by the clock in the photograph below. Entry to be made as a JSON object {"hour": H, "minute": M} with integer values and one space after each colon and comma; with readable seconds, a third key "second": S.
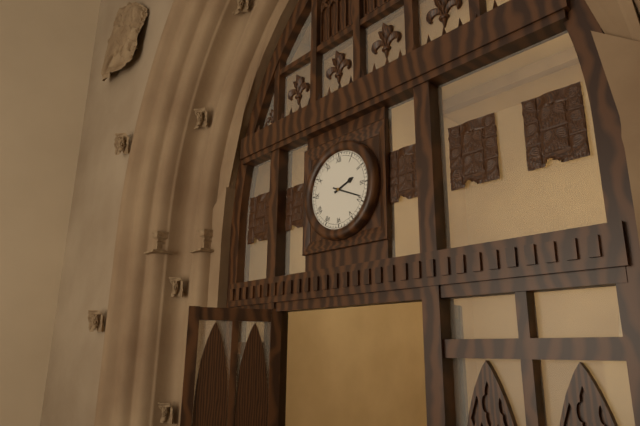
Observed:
{"hour": 2, "minute": 19}
